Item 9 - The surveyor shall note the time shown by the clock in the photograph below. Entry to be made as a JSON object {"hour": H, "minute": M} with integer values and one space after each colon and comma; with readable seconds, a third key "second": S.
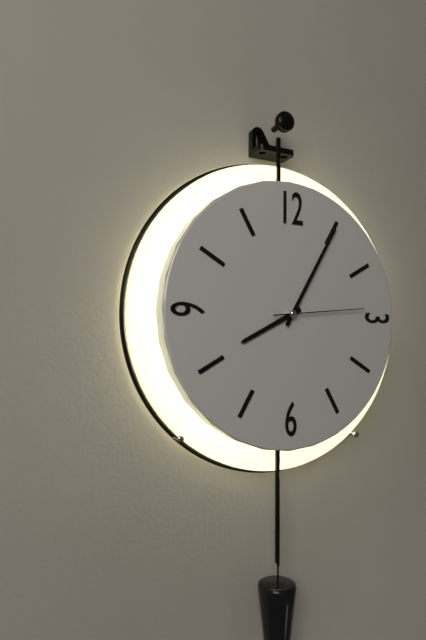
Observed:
{"hour": 8, "minute": 5, "second": 14}
